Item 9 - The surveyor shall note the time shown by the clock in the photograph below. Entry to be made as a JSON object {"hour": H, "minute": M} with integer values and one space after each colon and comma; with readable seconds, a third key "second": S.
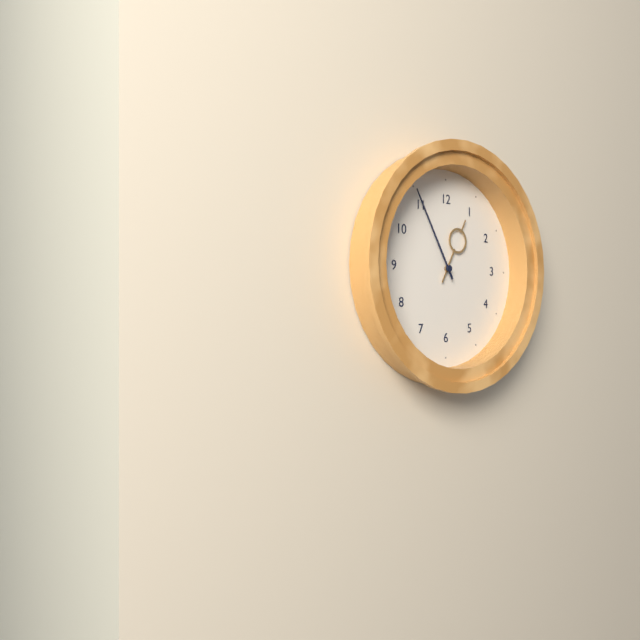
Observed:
{"hour": 12, "minute": 55}
